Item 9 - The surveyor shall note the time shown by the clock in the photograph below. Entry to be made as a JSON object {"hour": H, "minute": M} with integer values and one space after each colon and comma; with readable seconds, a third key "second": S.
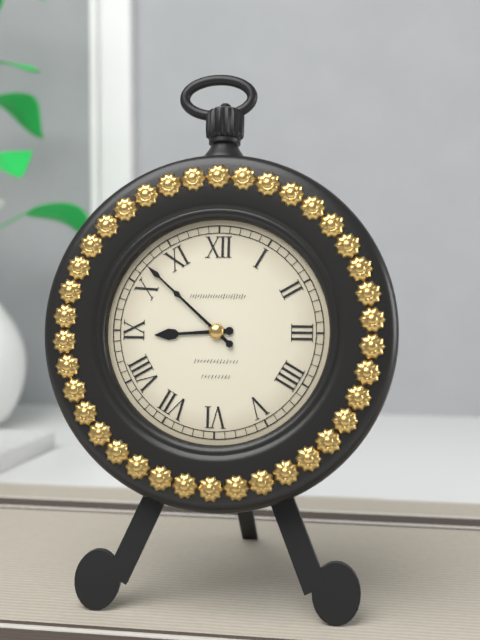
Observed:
{"hour": 8, "minute": 52}
